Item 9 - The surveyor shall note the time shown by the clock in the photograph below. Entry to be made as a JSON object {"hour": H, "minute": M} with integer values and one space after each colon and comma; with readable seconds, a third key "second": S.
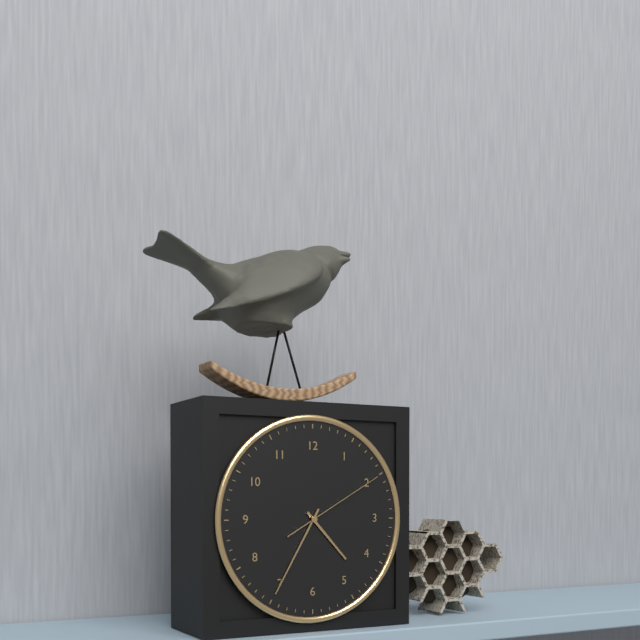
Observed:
{"hour": 4, "minute": 35, "second": 10}
